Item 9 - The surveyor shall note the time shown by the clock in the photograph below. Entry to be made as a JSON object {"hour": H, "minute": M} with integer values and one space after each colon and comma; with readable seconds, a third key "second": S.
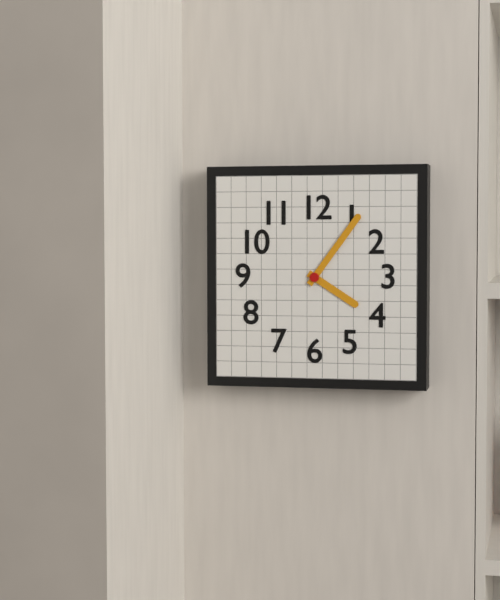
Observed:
{"hour": 4, "minute": 6}
